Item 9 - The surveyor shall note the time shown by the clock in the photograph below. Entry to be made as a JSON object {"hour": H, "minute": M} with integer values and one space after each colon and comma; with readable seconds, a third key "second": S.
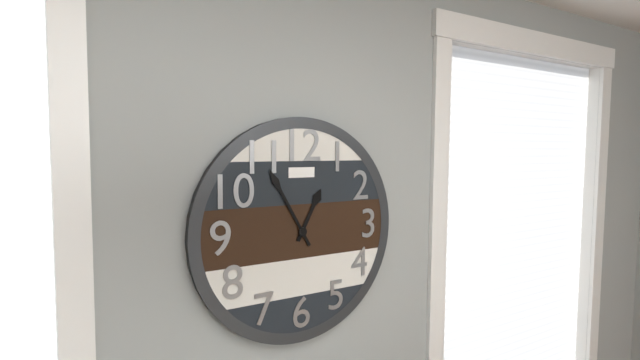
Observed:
{"hour": 12, "minute": 55}
